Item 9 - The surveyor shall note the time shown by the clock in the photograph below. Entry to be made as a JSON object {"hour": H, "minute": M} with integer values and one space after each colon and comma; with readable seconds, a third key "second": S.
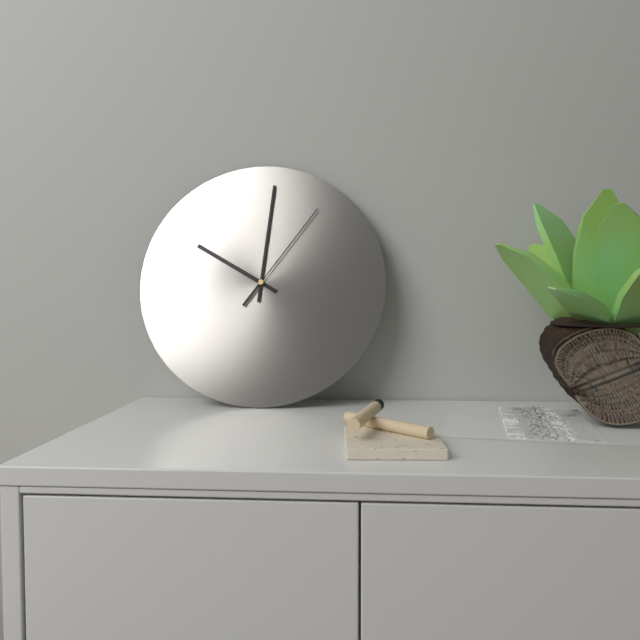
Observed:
{"hour": 10, "minute": 1, "second": 6}
